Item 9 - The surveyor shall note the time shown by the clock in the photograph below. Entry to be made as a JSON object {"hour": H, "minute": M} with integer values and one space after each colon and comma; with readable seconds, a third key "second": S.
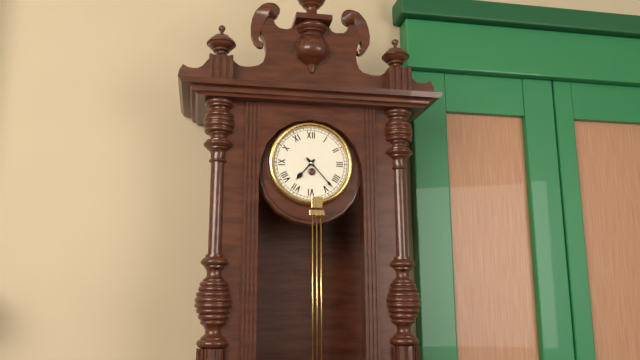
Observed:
{"hour": 7, "minute": 23}
